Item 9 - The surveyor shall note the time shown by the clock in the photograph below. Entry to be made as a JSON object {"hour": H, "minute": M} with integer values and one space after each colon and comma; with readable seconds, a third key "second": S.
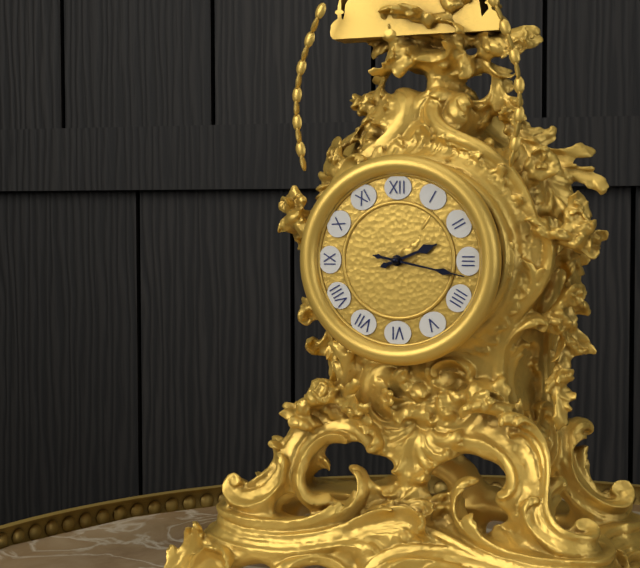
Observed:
{"hour": 2, "minute": 17}
